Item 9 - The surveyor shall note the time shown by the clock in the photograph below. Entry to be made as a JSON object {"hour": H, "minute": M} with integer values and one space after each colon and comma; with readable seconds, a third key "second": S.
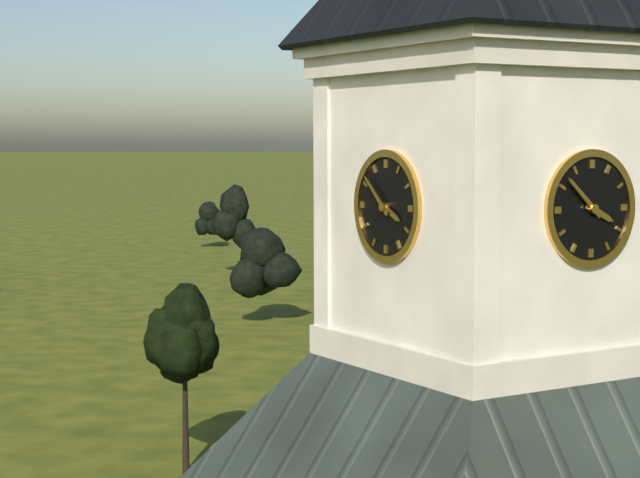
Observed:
{"hour": 3, "minute": 52}
